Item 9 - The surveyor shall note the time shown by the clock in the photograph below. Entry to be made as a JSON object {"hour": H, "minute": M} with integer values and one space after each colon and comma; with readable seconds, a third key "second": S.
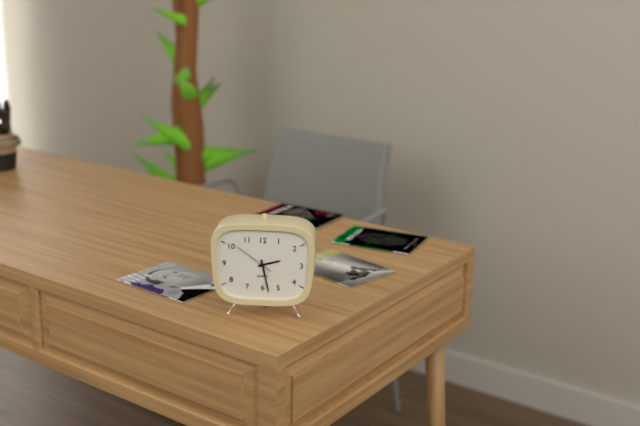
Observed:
{"hour": 2, "minute": 28}
